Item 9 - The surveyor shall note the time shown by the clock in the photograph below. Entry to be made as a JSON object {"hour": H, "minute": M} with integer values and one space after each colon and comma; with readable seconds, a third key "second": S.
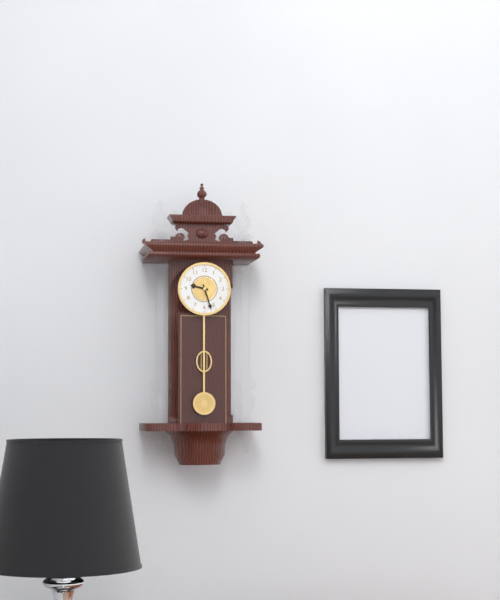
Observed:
{"hour": 9, "minute": 27}
